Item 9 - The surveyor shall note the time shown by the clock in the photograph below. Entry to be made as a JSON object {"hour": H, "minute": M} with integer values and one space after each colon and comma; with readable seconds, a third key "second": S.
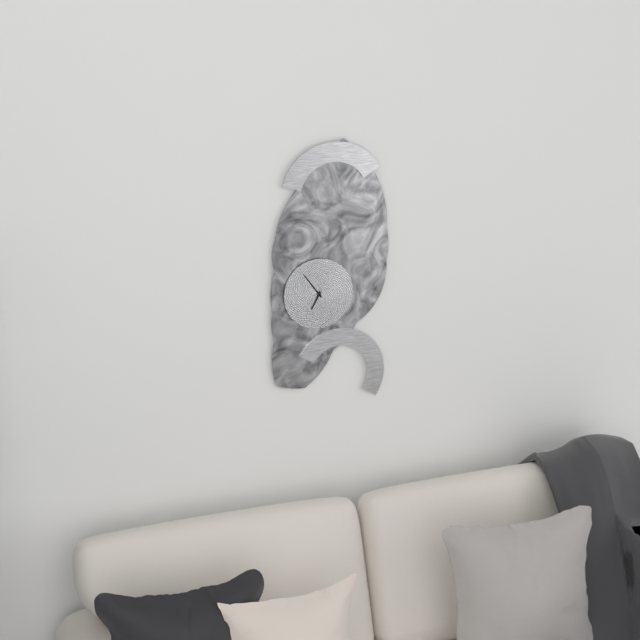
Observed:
{"hour": 6, "minute": 54}
